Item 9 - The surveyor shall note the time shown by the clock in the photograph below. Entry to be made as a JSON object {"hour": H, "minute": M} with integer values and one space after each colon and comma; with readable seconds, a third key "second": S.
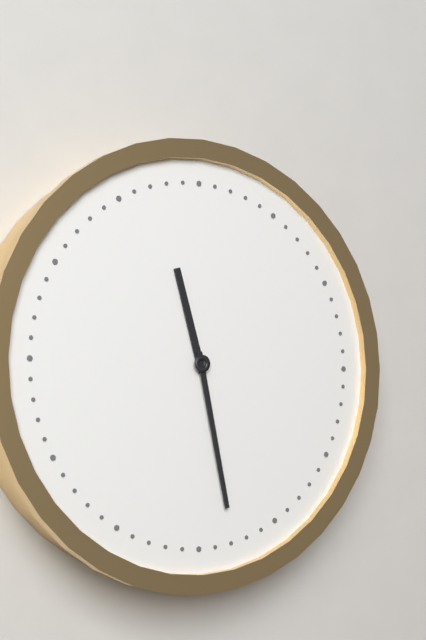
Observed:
{"hour": 11, "minute": 28}
